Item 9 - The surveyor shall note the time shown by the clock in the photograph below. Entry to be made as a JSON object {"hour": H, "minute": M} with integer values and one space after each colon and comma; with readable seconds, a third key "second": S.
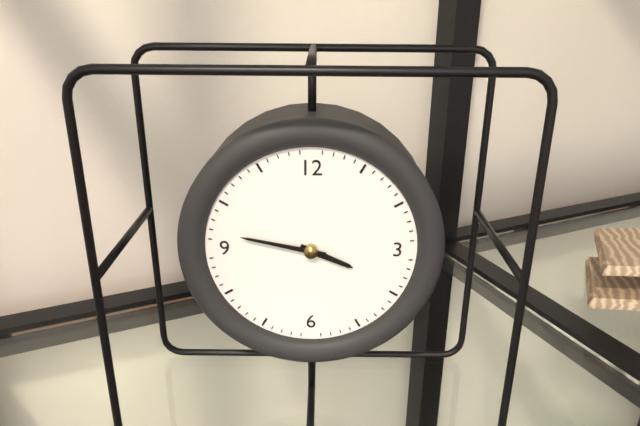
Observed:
{"hour": 3, "minute": 47}
